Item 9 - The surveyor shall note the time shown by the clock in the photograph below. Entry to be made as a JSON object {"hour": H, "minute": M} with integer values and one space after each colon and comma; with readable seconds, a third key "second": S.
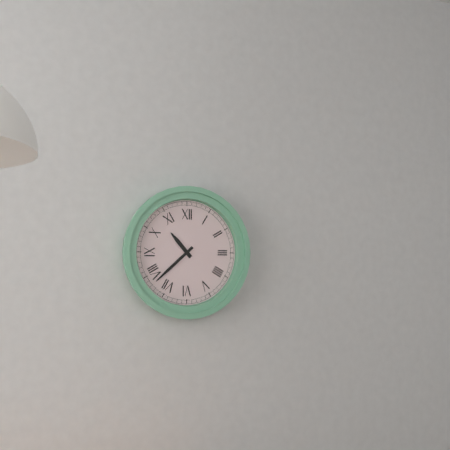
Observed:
{"hour": 10, "minute": 38}
